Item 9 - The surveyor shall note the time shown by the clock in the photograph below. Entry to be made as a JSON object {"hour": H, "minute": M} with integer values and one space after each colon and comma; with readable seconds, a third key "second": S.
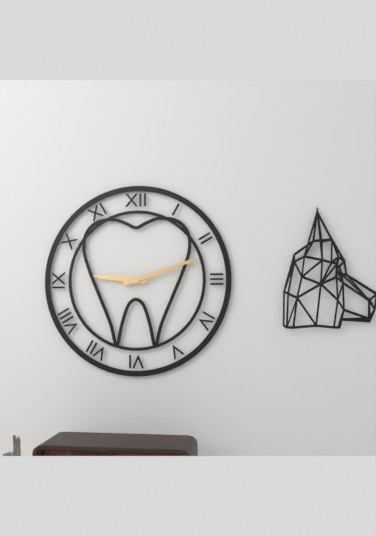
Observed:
{"hour": 9, "minute": 12}
